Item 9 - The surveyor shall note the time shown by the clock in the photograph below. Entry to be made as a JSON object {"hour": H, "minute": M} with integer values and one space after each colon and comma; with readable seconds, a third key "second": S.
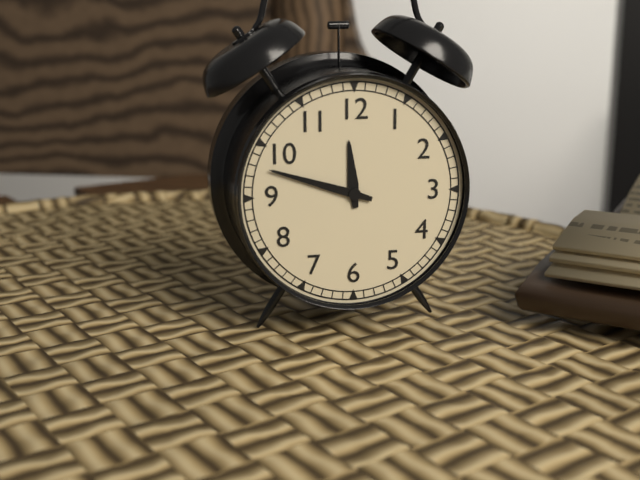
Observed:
{"hour": 11, "minute": 48}
